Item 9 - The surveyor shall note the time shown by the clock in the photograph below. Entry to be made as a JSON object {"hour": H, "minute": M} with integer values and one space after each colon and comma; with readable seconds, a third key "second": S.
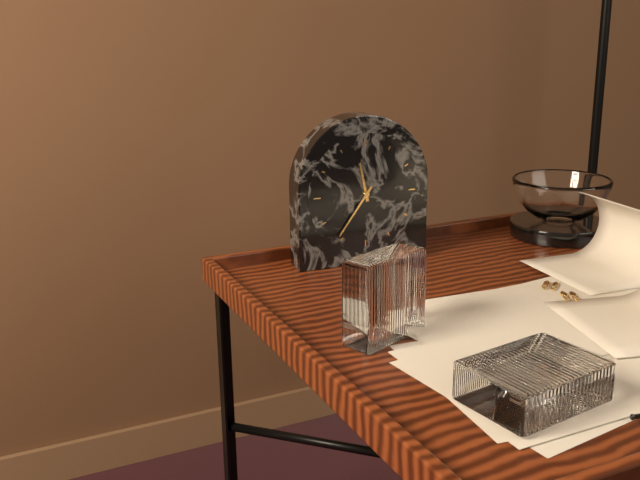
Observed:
{"hour": 11, "minute": 36}
